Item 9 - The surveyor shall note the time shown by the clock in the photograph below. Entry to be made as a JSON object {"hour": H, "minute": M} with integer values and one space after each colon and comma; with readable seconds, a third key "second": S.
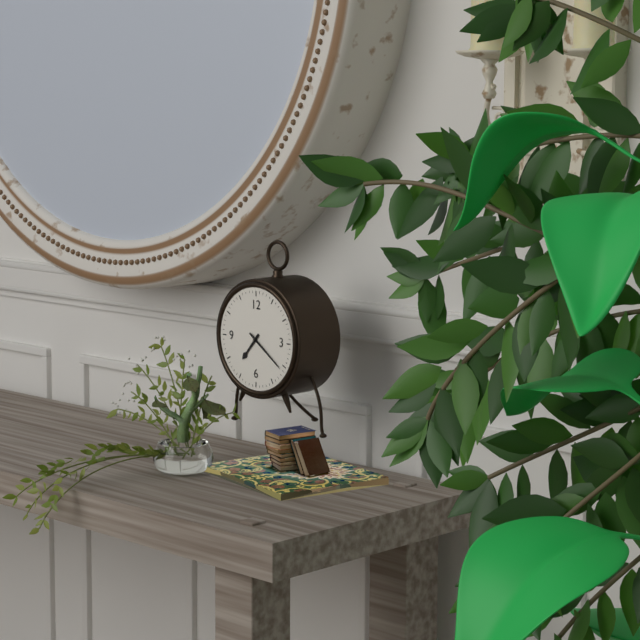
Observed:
{"hour": 7, "minute": 21}
